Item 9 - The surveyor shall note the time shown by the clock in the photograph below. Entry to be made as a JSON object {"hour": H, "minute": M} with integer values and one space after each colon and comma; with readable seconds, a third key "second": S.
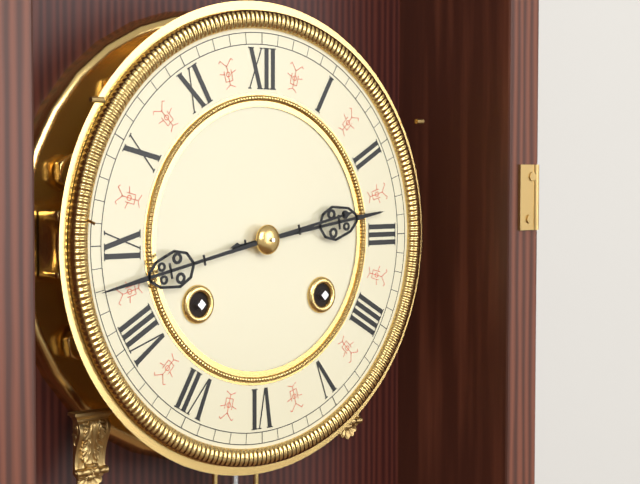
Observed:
{"hour": 2, "minute": 43}
